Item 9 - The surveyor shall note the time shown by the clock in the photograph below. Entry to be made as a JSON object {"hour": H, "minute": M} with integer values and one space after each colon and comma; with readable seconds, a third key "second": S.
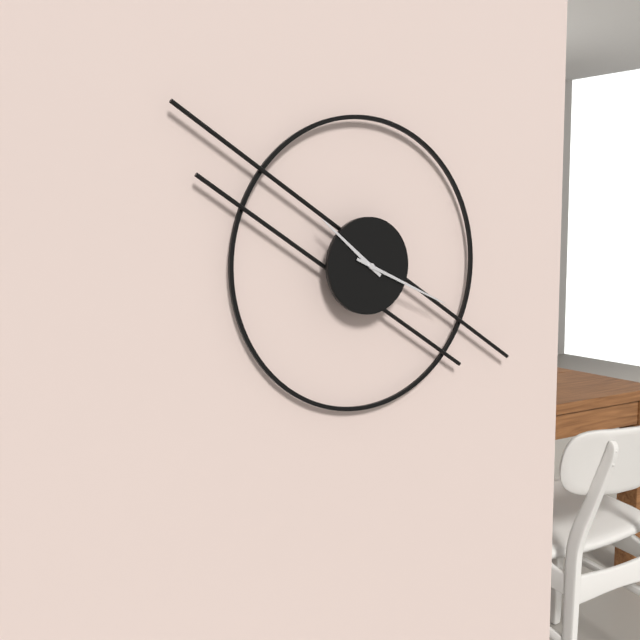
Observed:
{"hour": 10, "minute": 19}
